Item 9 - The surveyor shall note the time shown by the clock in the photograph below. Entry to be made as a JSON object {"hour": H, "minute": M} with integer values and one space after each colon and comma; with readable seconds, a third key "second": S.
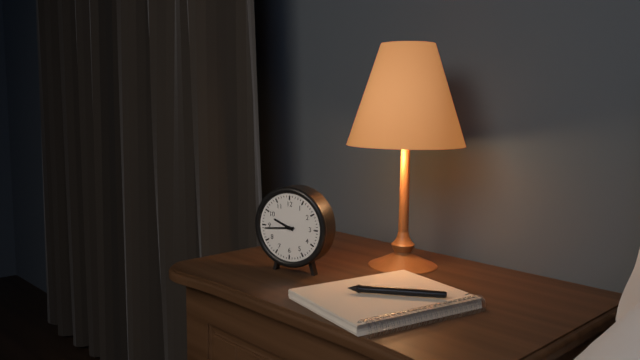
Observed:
{"hour": 9, "minute": 44}
